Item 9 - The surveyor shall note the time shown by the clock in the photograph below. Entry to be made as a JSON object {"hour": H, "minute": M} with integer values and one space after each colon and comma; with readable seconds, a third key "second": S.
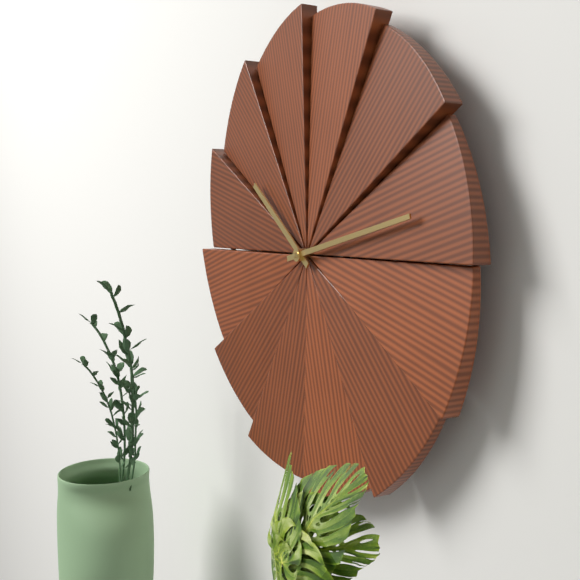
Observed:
{"hour": 10, "minute": 13}
